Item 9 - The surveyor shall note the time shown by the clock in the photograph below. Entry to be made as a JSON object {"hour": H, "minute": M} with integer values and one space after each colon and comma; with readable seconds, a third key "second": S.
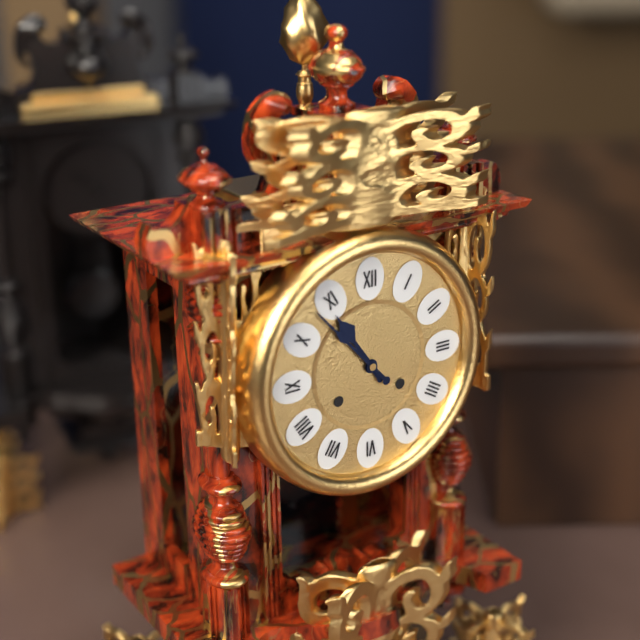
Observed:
{"hour": 10, "minute": 53}
